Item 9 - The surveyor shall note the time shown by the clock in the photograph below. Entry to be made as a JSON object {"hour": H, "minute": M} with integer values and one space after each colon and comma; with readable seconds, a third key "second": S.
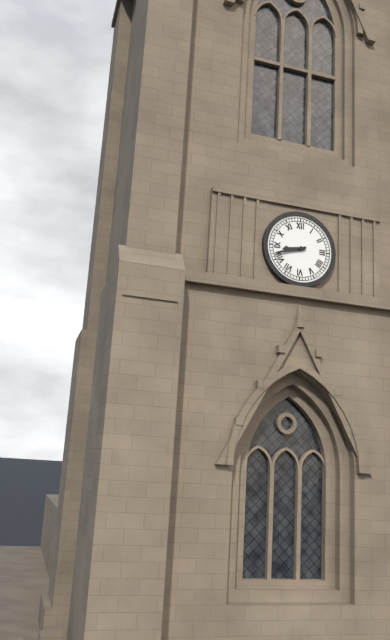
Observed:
{"hour": 8, "minute": 42}
